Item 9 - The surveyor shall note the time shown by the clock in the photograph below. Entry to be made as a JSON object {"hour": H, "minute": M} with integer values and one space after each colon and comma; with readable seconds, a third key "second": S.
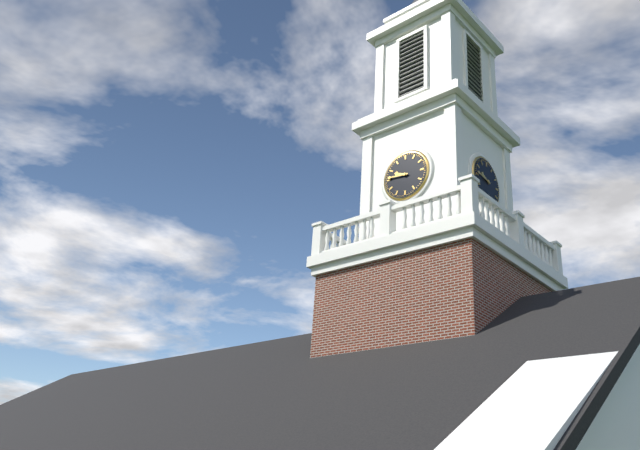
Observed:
{"hour": 9, "minute": 46}
